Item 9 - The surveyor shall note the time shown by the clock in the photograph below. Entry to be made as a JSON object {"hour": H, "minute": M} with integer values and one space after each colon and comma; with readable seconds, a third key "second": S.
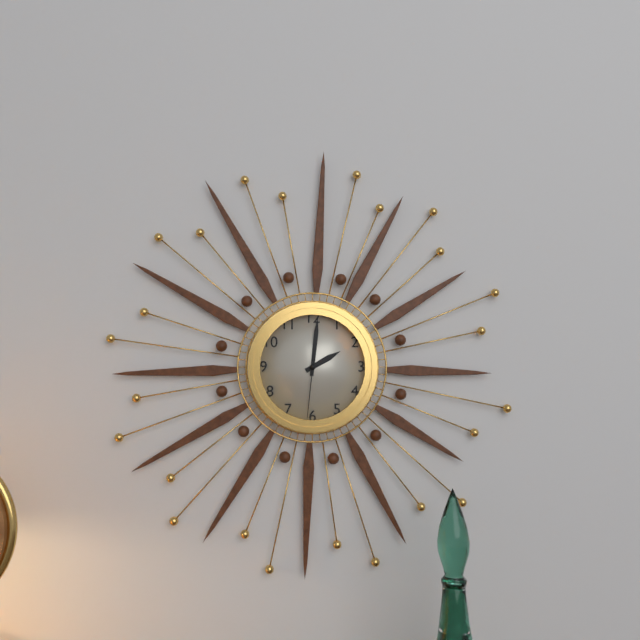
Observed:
{"hour": 2, "minute": 1, "second": 31}
